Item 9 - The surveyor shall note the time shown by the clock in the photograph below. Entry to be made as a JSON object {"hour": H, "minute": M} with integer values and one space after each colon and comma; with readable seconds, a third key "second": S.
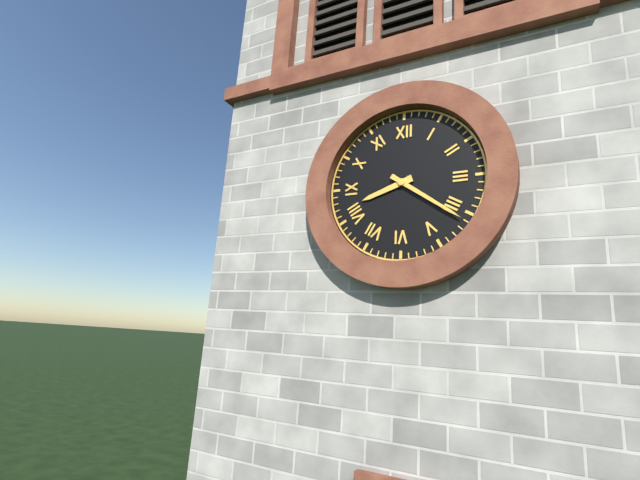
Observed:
{"hour": 8, "minute": 21}
